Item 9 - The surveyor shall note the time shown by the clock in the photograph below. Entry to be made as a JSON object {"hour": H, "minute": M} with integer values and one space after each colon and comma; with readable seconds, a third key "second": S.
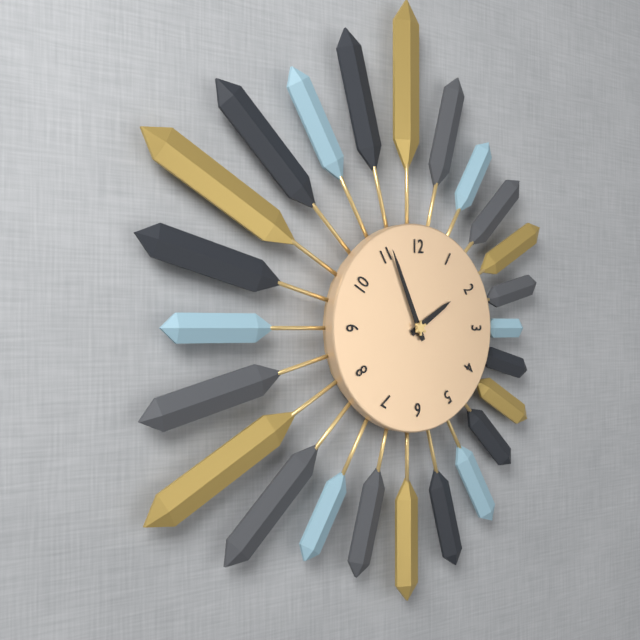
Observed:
{"hour": 1, "minute": 56}
